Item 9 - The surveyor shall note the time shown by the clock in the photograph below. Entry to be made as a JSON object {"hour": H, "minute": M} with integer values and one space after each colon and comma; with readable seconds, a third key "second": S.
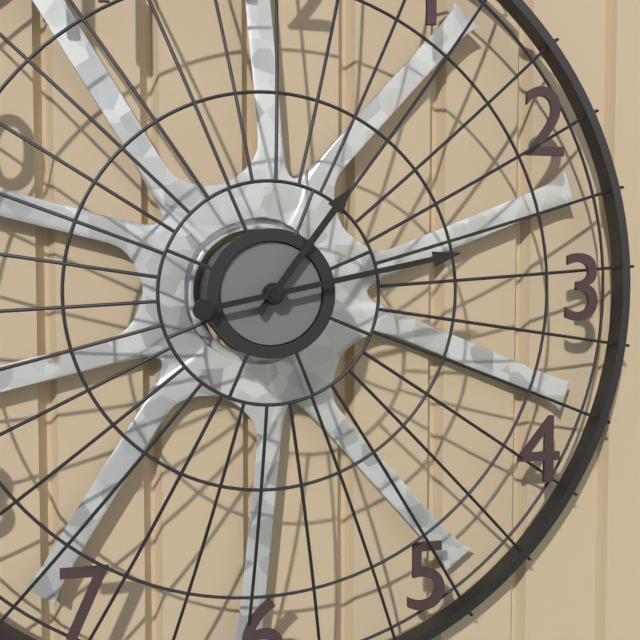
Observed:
{"hour": 1, "minute": 13}
